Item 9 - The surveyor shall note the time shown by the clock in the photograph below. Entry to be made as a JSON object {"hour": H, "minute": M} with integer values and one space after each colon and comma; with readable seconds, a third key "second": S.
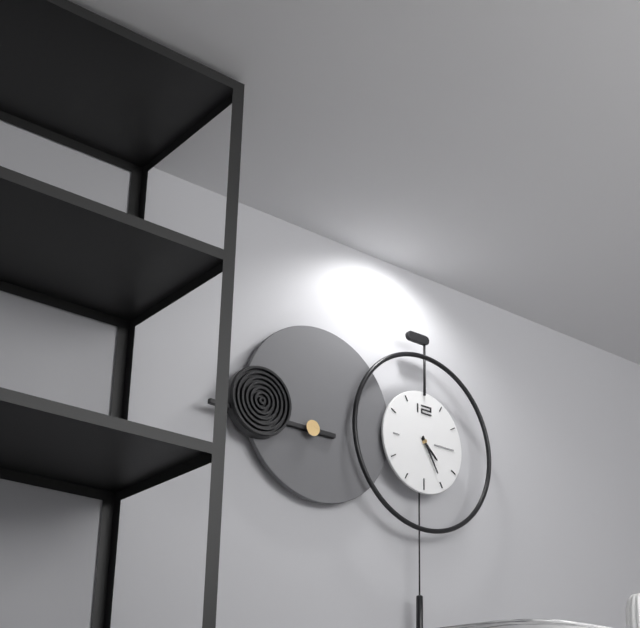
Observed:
{"hour": 4, "minute": 25}
